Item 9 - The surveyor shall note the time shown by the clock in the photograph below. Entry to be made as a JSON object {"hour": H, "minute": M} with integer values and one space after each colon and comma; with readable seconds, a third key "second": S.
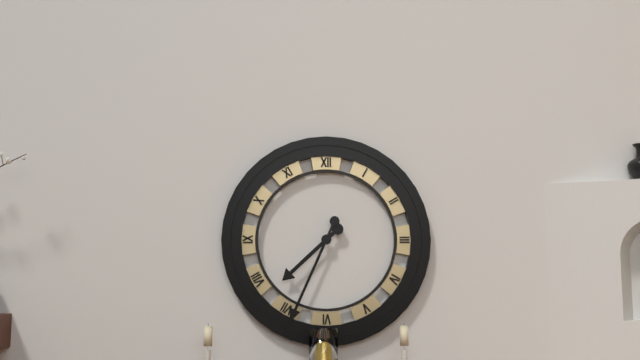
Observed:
{"hour": 7, "minute": 34}
